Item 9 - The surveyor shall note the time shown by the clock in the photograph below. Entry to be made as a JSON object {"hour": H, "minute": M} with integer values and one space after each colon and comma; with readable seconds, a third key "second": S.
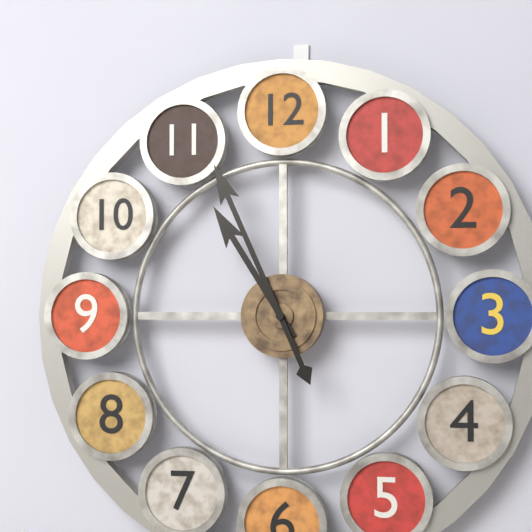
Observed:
{"hour": 10, "minute": 56}
